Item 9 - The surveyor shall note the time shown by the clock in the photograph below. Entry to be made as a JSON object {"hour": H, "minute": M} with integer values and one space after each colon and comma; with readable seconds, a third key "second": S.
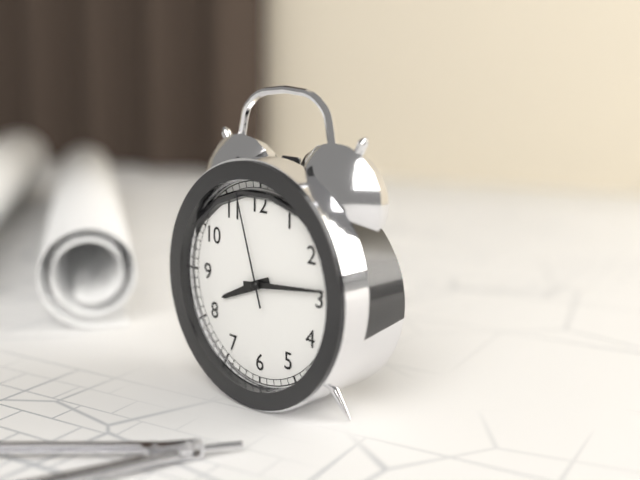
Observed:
{"hour": 8, "minute": 14, "second": 57}
